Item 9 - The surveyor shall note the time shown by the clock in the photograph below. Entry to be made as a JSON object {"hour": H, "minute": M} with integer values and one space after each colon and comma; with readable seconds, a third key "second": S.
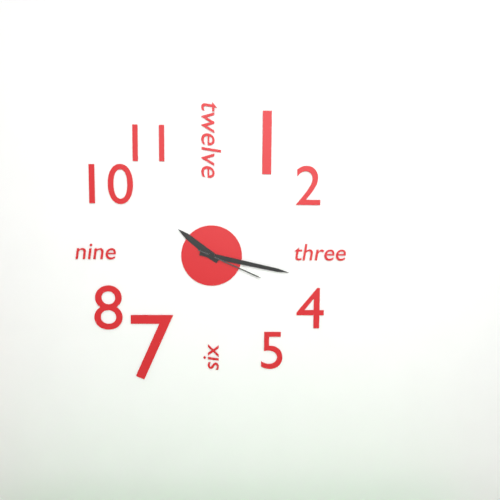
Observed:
{"hour": 10, "minute": 17, "second": 19}
